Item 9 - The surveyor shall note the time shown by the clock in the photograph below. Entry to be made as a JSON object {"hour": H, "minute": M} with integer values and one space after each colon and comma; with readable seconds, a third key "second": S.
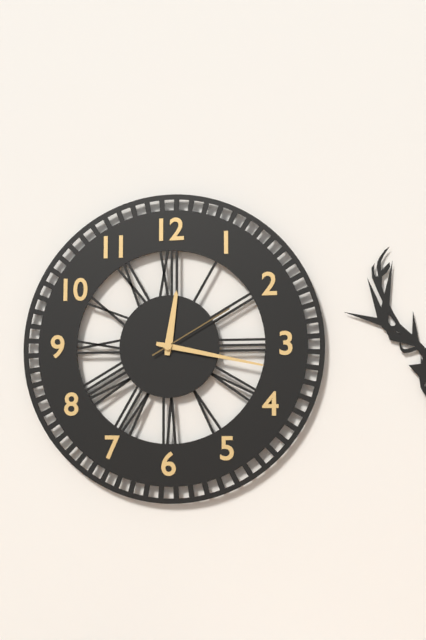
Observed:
{"hour": 12, "minute": 17, "second": 10}
